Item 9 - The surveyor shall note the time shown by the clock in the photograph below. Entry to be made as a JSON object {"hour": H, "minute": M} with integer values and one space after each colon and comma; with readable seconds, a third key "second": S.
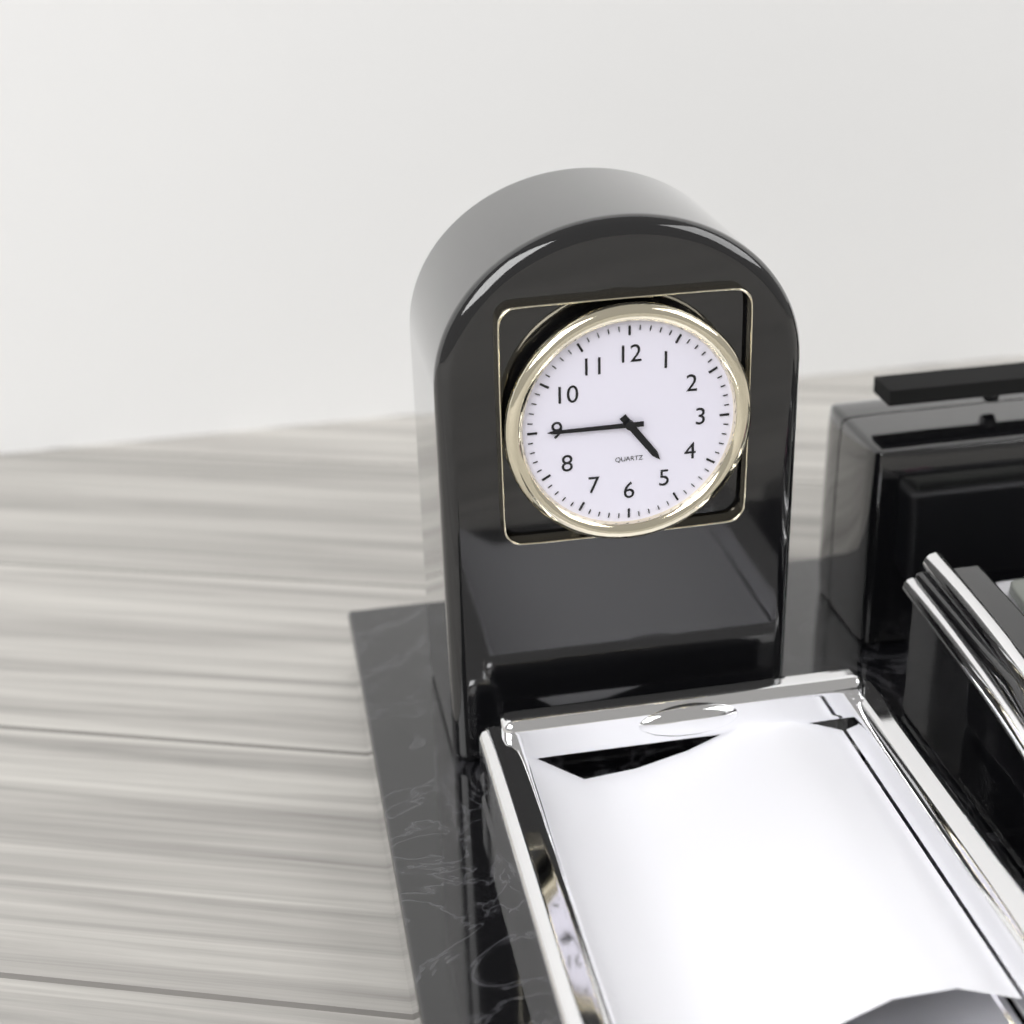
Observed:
{"hour": 4, "minute": 45}
